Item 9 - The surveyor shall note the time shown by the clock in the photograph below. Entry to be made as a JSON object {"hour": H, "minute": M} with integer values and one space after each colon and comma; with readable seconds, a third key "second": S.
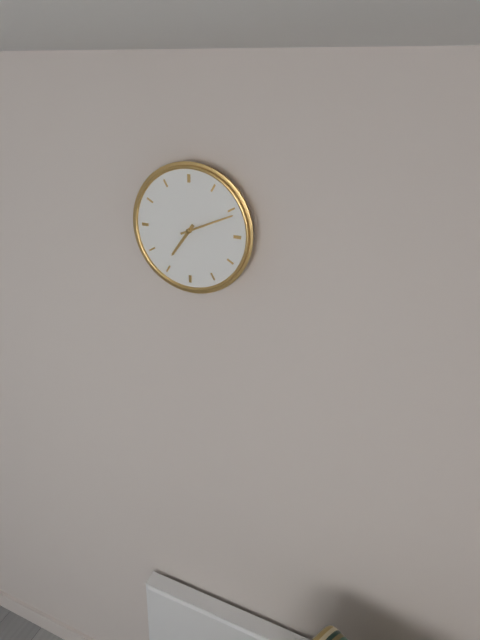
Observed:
{"hour": 7, "minute": 11}
